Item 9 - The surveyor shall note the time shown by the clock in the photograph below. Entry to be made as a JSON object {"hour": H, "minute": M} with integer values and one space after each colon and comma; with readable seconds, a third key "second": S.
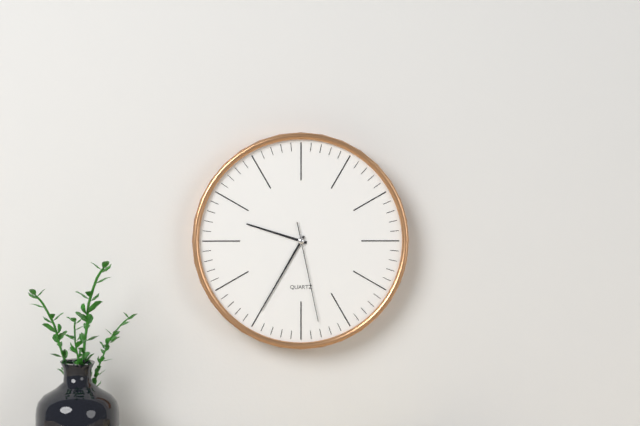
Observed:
{"hour": 9, "minute": 35, "second": 28}
